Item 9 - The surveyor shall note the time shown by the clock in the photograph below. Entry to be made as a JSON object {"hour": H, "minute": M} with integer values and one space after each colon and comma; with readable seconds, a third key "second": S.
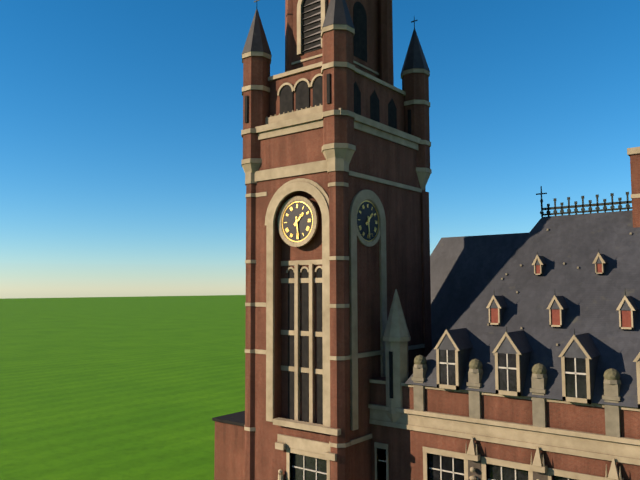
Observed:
{"hour": 1, "minute": 29}
